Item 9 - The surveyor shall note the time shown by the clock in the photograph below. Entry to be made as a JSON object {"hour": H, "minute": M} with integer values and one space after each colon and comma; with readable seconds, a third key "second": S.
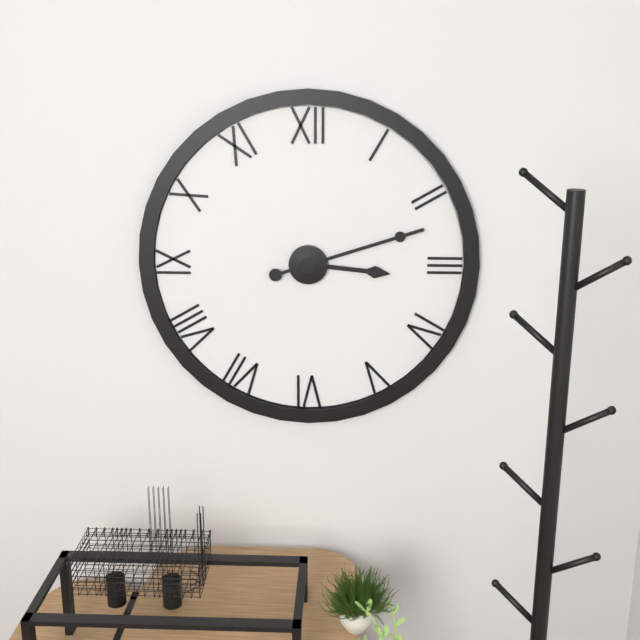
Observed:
{"hour": 3, "minute": 12}
